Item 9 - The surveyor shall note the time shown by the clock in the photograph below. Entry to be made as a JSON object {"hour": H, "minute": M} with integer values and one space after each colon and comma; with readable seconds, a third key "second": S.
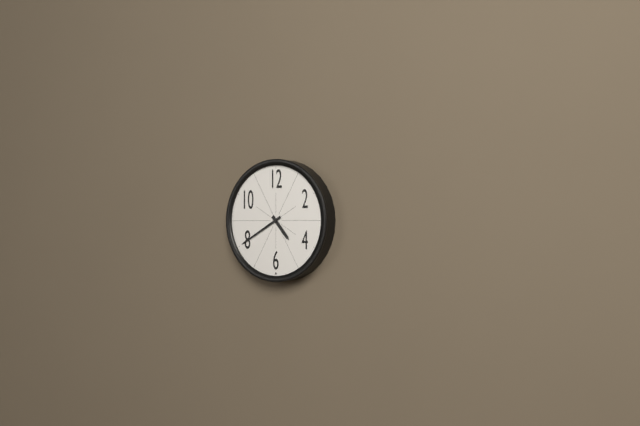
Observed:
{"hour": 4, "minute": 40}
